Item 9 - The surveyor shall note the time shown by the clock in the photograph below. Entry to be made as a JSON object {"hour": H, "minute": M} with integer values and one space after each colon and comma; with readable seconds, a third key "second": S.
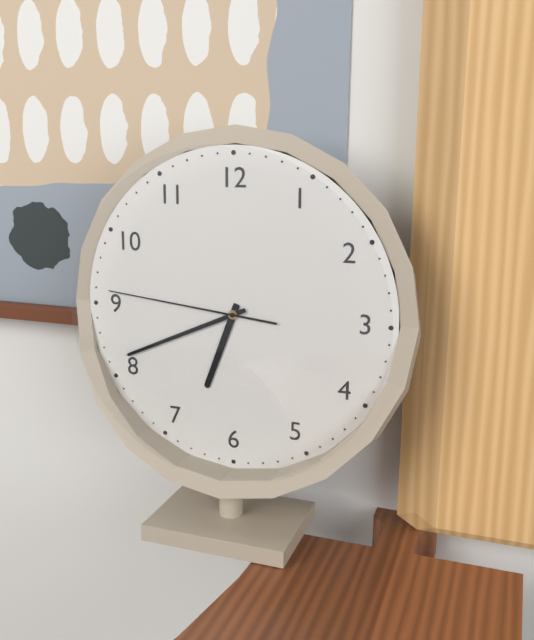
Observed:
{"hour": 6, "minute": 41, "second": 46}
